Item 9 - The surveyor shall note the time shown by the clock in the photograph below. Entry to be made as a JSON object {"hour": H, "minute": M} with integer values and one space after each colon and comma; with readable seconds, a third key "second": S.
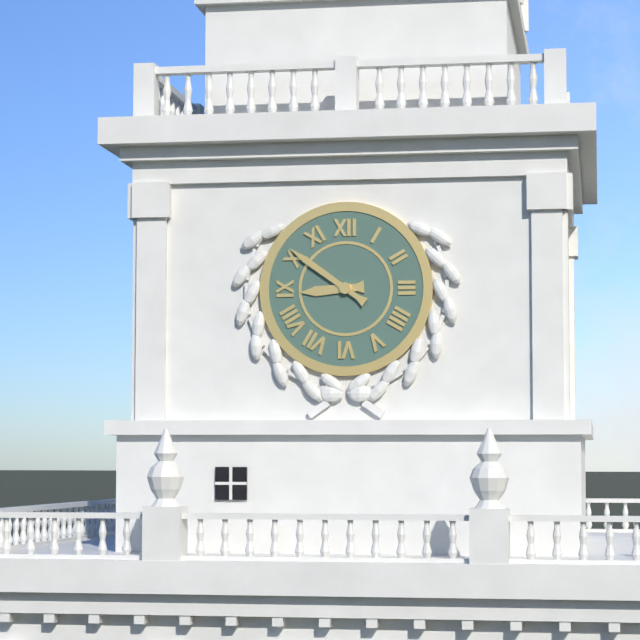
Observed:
{"hour": 8, "minute": 51}
